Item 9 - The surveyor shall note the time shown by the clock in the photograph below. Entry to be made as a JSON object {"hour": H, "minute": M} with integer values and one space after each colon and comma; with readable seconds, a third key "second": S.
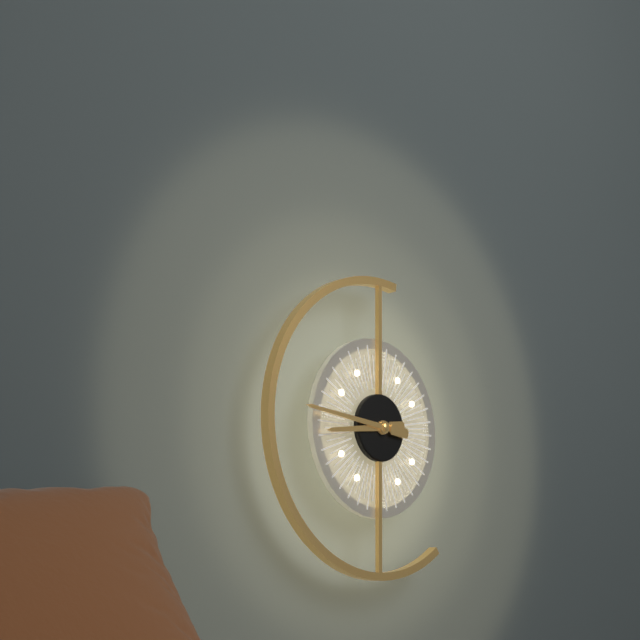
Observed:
{"hour": 8, "minute": 46}
